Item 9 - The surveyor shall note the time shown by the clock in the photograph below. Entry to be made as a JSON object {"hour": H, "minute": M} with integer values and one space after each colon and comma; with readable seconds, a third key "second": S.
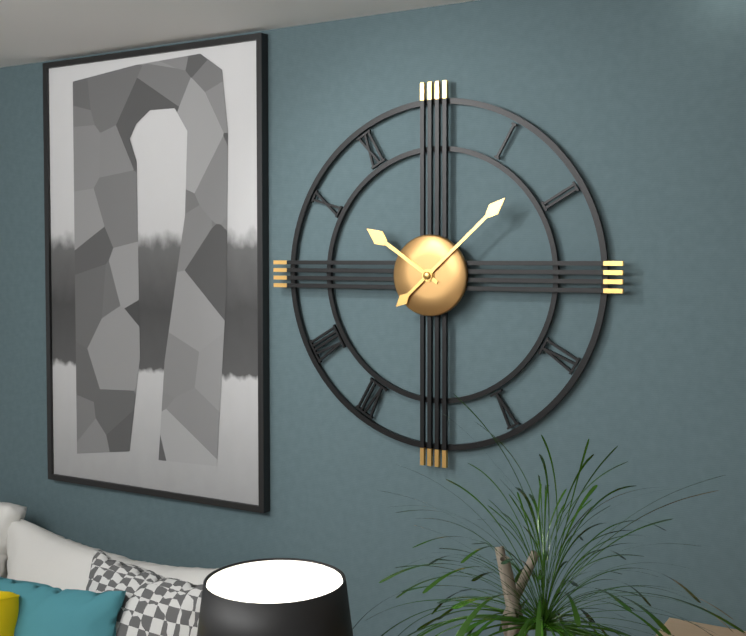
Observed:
{"hour": 10, "minute": 8}
